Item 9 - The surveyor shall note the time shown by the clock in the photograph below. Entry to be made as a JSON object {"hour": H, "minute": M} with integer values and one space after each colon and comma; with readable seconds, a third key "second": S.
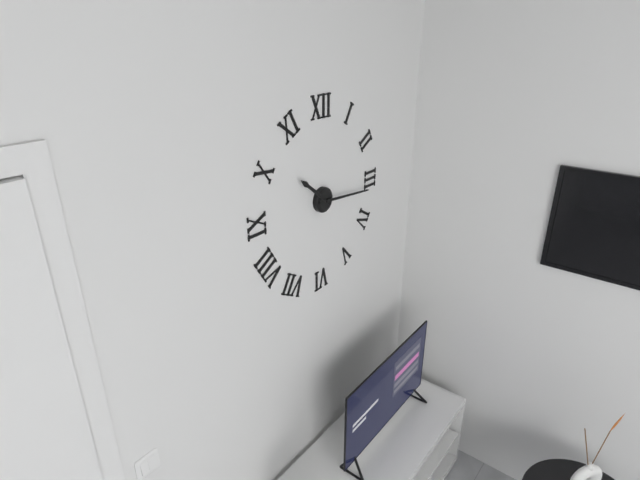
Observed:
{"hour": 10, "minute": 16}
